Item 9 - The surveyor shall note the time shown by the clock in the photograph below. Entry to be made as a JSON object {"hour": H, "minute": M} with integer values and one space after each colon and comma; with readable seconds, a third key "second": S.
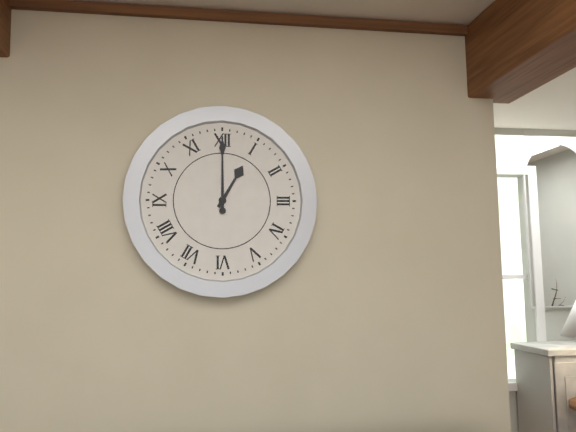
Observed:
{"hour": 1, "minute": 0}
